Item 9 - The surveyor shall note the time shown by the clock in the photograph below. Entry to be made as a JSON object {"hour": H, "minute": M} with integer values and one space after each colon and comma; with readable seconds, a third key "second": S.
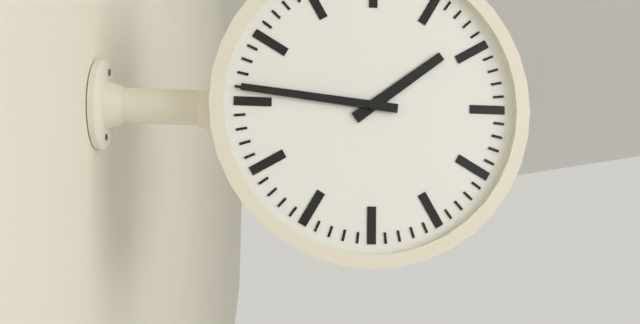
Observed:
{"hour": 1, "minute": 46}
